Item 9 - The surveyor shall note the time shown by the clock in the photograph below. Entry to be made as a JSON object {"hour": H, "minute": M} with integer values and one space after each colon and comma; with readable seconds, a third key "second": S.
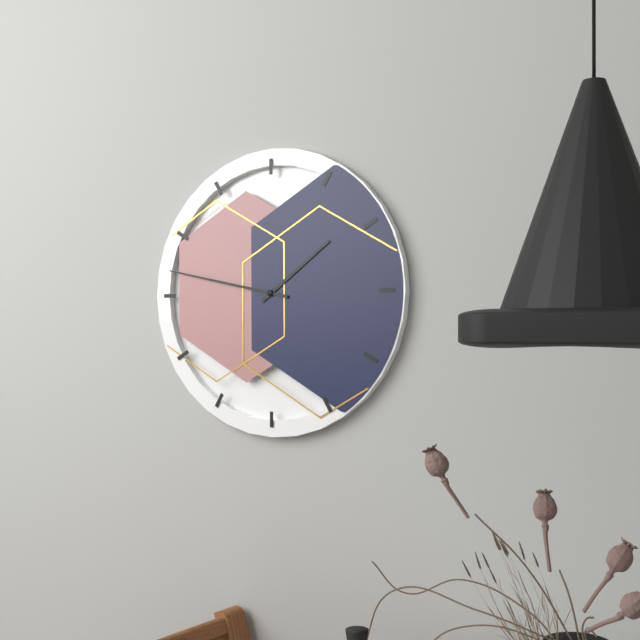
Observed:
{"hour": 1, "minute": 47}
